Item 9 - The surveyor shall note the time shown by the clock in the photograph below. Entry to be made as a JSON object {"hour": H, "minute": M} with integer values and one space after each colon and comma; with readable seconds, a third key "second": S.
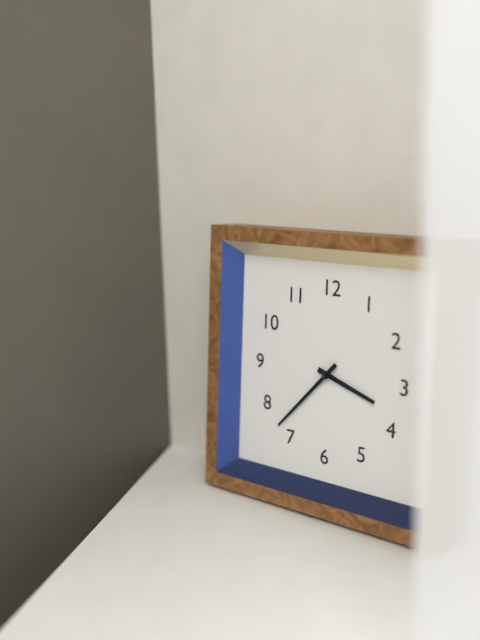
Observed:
{"hour": 3, "minute": 37}
